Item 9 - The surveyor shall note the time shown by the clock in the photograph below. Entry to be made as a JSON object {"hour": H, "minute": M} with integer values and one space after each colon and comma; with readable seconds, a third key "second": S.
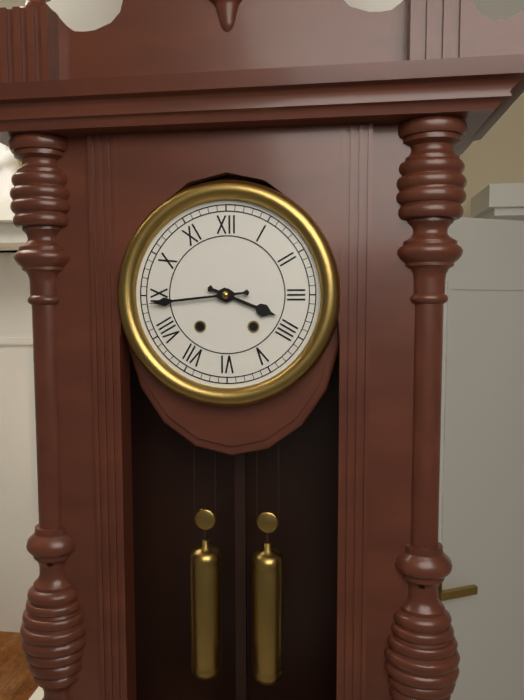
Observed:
{"hour": 3, "minute": 44}
